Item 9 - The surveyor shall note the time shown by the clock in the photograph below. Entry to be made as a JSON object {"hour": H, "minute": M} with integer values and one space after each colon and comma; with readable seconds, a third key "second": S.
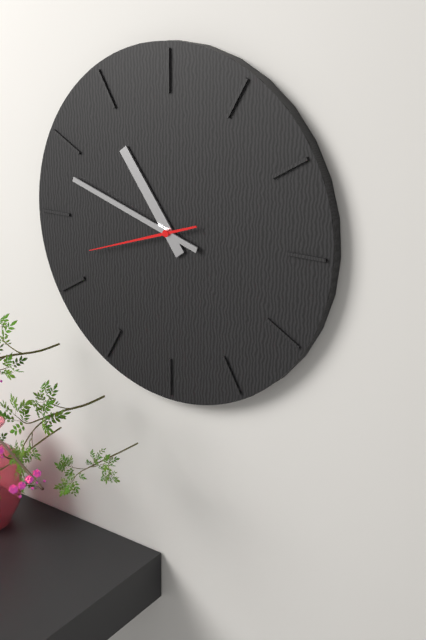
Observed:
{"hour": 10, "minute": 48, "second": 42}
